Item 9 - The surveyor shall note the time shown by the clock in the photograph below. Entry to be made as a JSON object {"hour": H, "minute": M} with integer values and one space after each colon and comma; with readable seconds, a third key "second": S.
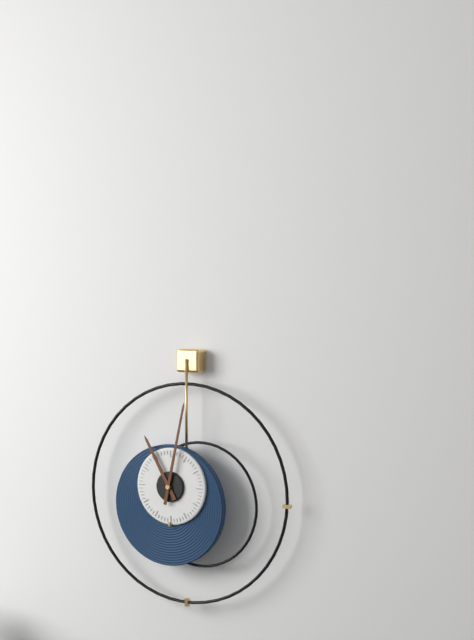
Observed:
{"hour": 11, "minute": 2}
